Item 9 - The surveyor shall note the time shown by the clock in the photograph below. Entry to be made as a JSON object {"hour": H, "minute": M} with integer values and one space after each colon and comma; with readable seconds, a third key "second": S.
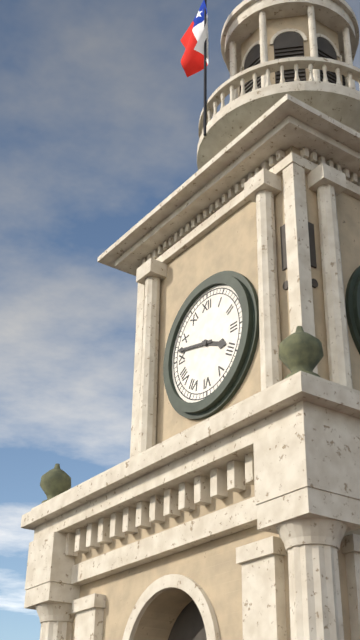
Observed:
{"hour": 3, "minute": 47}
